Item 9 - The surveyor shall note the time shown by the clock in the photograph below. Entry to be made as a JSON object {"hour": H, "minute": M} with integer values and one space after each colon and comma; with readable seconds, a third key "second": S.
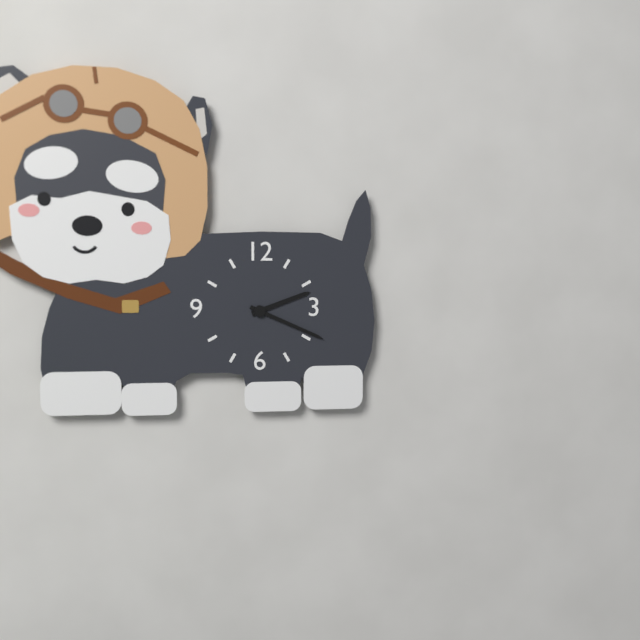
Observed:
{"hour": 2, "minute": 19}
